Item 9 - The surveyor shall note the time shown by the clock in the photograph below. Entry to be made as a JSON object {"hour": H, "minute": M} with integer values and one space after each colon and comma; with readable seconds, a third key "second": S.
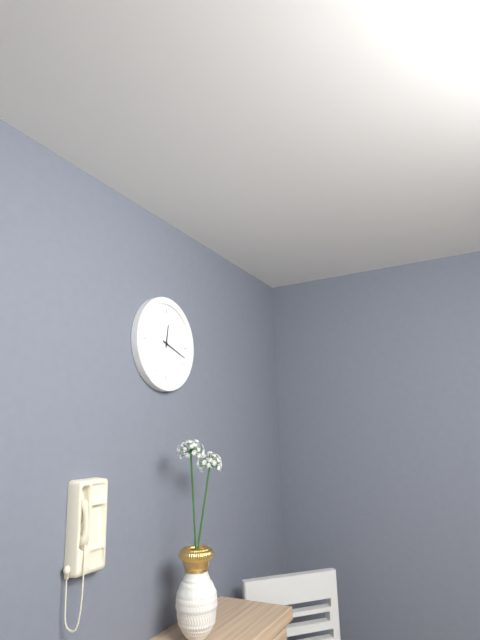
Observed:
{"hour": 12, "minute": 18}
